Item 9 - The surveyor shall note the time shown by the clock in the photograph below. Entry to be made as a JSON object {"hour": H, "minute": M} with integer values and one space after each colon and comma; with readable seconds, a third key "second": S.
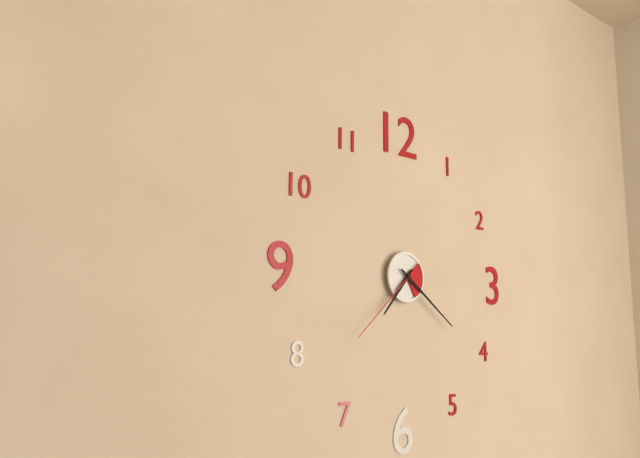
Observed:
{"hour": 7, "minute": 21, "second": 38}
